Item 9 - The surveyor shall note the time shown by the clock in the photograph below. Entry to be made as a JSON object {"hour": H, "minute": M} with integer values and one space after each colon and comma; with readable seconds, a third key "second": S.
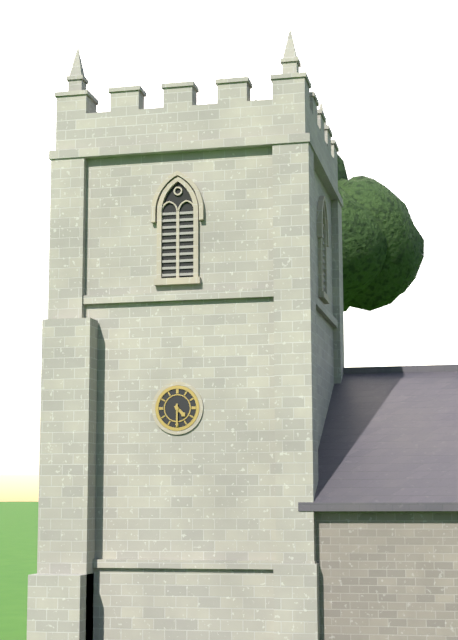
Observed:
{"hour": 4, "minute": 30}
